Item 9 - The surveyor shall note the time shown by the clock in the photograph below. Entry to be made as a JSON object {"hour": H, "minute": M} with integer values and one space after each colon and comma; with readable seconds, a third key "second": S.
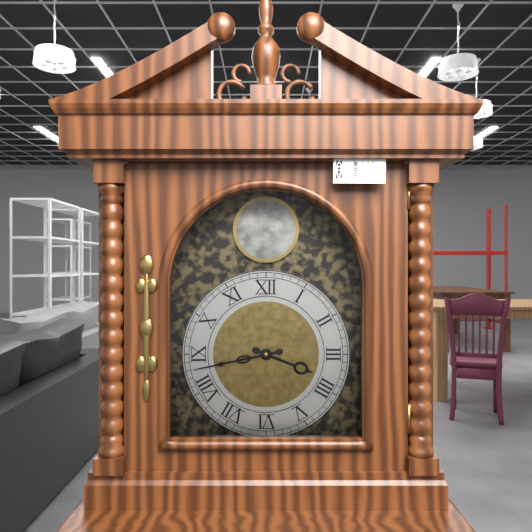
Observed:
{"hour": 3, "minute": 43}
